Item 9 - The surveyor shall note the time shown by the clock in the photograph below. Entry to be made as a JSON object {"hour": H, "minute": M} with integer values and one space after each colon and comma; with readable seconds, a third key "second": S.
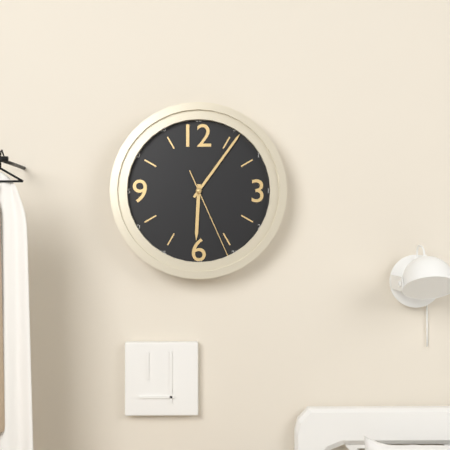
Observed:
{"hour": 6, "minute": 6, "second": 26}
